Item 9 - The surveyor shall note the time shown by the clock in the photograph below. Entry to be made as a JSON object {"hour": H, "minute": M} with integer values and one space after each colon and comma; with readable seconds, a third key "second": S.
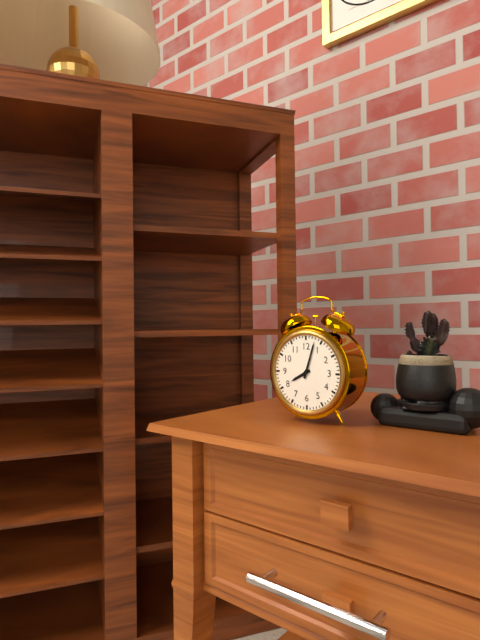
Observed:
{"hour": 8, "minute": 3}
